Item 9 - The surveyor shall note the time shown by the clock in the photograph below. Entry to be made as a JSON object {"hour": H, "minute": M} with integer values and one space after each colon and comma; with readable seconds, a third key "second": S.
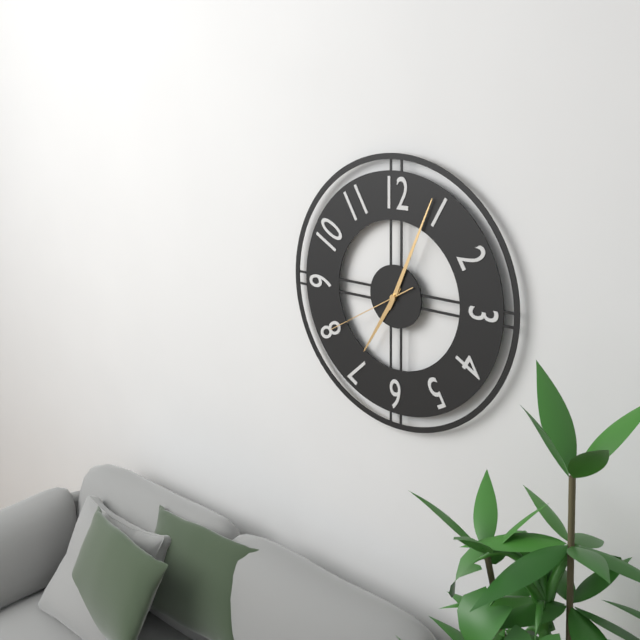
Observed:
{"hour": 7, "minute": 4, "second": 40}
